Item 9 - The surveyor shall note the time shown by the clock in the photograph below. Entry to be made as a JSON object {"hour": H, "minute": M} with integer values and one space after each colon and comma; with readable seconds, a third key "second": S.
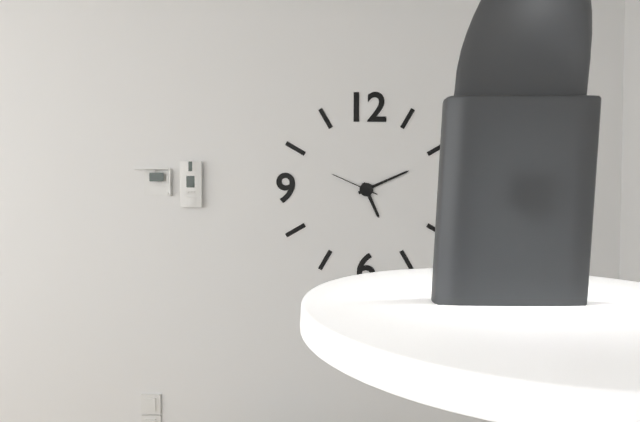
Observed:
{"hour": 5, "minute": 11}
